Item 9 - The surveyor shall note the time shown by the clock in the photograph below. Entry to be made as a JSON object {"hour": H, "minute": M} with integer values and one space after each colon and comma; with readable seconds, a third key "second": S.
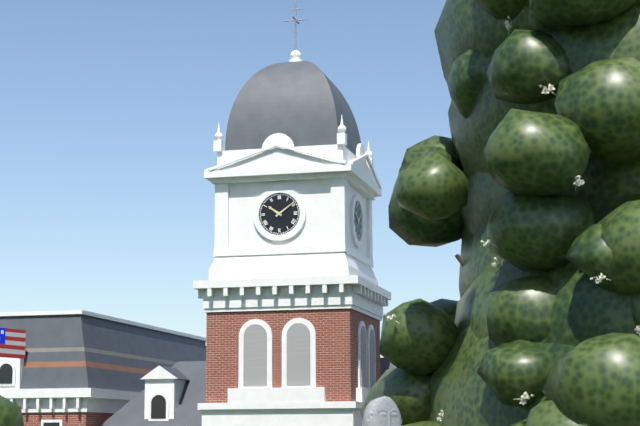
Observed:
{"hour": 10, "minute": 9}
